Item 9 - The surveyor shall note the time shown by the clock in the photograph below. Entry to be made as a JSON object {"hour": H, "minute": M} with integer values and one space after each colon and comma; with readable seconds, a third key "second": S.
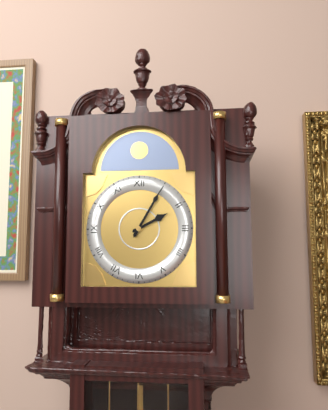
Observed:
{"hour": 2, "minute": 5}
